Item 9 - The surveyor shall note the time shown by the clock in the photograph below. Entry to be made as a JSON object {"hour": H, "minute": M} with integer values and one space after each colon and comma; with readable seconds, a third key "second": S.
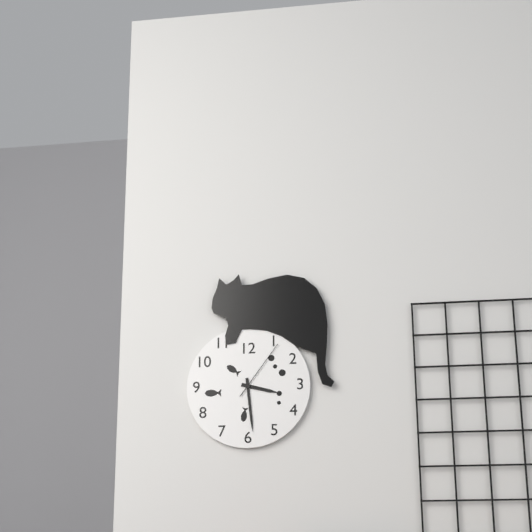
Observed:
{"hour": 3, "minute": 29, "second": 6}
